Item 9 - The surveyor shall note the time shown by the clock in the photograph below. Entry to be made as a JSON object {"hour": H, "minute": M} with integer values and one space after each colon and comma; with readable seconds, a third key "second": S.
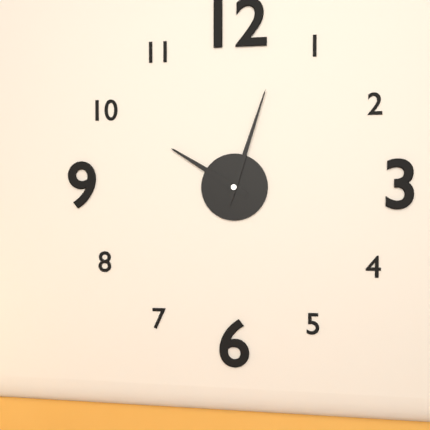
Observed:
{"hour": 10, "minute": 3}
